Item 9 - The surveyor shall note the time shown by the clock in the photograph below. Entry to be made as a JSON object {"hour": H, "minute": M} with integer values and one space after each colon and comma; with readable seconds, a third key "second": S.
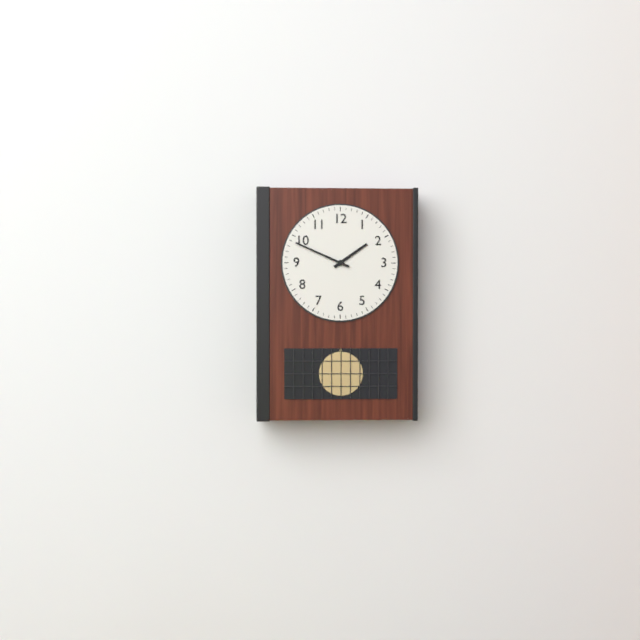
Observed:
{"hour": 1, "minute": 49}
